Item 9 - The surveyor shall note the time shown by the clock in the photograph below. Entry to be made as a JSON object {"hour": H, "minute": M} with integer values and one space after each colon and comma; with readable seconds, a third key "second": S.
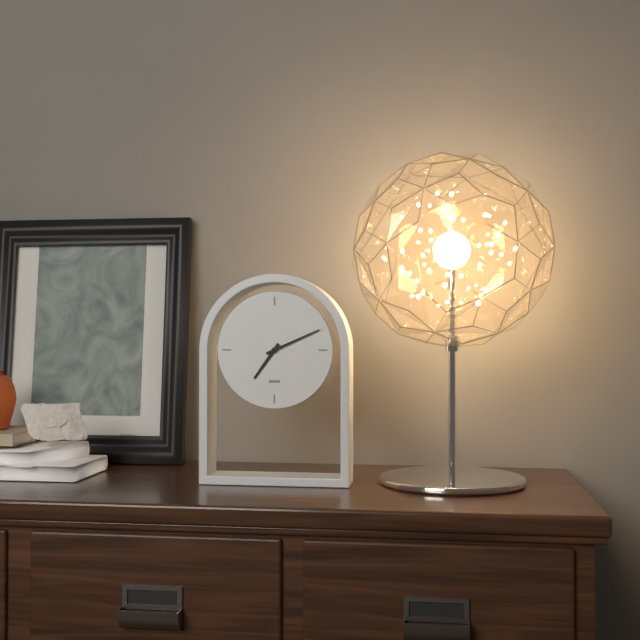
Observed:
{"hour": 7, "minute": 11}
